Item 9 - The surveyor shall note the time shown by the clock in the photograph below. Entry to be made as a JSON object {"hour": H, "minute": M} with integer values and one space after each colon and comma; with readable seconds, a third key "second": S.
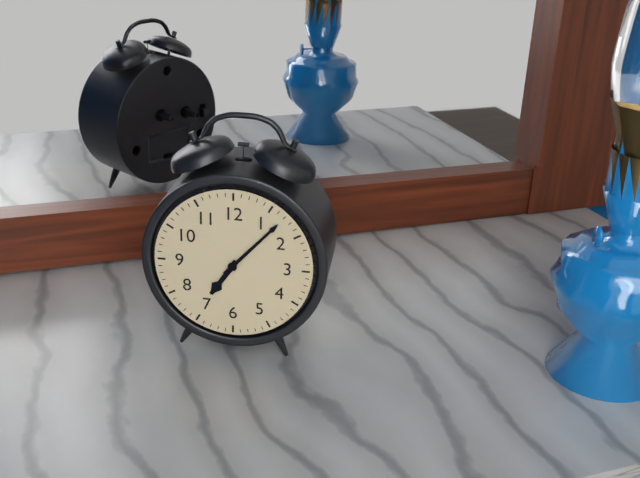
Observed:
{"hour": 7, "minute": 7}
